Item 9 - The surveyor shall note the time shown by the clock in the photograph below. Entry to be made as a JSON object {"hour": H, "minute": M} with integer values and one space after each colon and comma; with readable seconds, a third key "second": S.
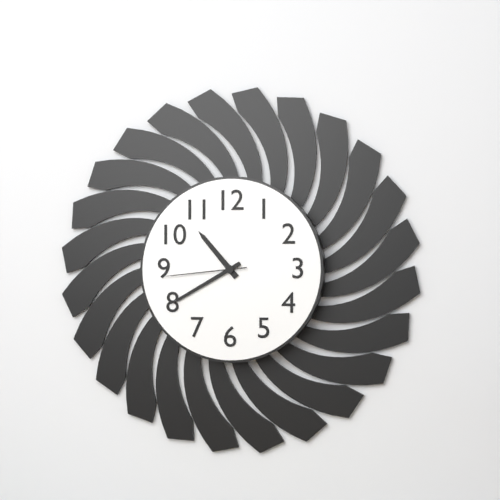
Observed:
{"hour": 10, "minute": 40, "second": 44}
